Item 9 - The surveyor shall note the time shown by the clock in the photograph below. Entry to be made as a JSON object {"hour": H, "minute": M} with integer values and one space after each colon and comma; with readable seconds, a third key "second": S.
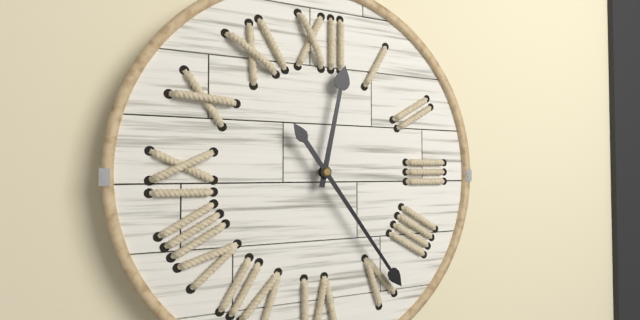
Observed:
{"hour": 12, "minute": 24}
